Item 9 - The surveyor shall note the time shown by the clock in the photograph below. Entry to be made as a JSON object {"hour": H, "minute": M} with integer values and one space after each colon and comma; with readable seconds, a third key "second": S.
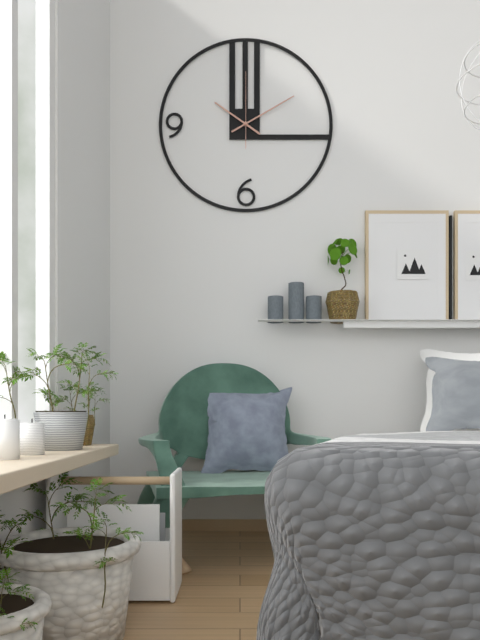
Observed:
{"hour": 10, "minute": 10, "second": 0}
